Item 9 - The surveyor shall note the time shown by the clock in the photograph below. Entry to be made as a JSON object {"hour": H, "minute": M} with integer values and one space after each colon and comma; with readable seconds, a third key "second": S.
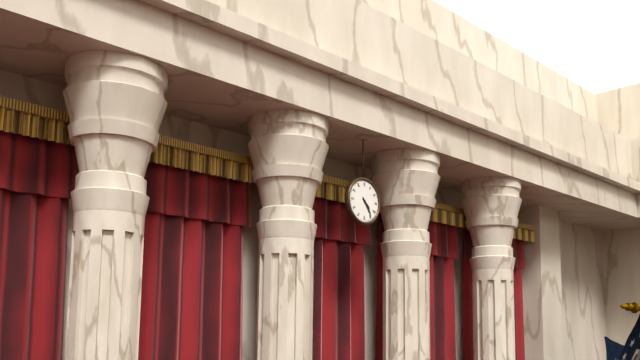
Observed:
{"hour": 4, "minute": 24}
